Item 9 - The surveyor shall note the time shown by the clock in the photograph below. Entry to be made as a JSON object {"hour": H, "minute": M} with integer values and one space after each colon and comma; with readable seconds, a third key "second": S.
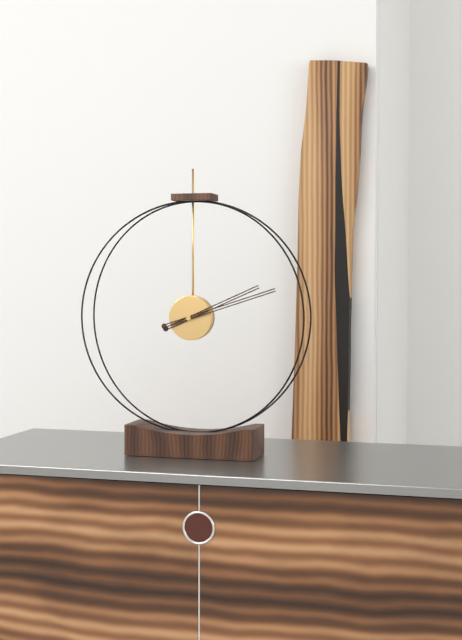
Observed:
{"hour": 2, "minute": 12}
